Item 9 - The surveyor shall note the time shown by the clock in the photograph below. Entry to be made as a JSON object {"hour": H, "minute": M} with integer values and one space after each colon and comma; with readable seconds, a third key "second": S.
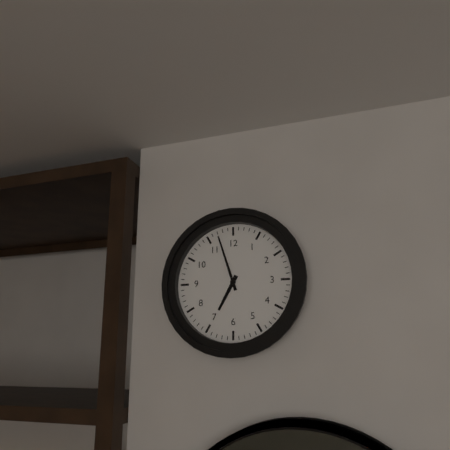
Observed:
{"hour": 6, "minute": 57}
